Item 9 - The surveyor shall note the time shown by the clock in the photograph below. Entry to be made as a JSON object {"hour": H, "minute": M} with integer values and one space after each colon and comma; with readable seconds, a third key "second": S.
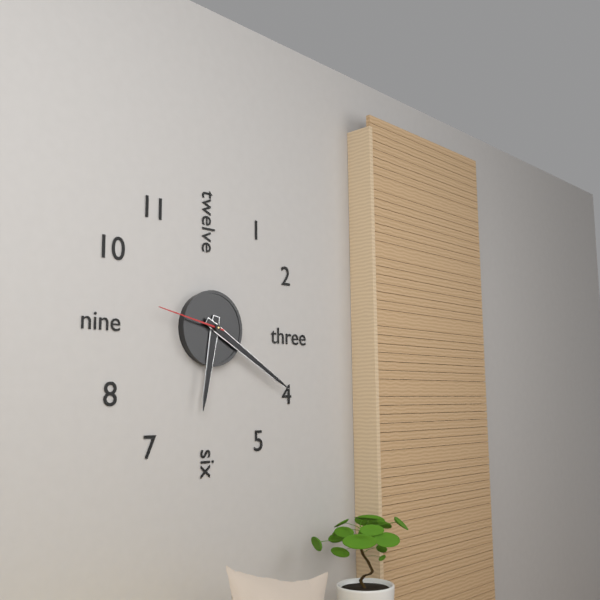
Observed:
{"hour": 6, "minute": 20, "second": 47}
